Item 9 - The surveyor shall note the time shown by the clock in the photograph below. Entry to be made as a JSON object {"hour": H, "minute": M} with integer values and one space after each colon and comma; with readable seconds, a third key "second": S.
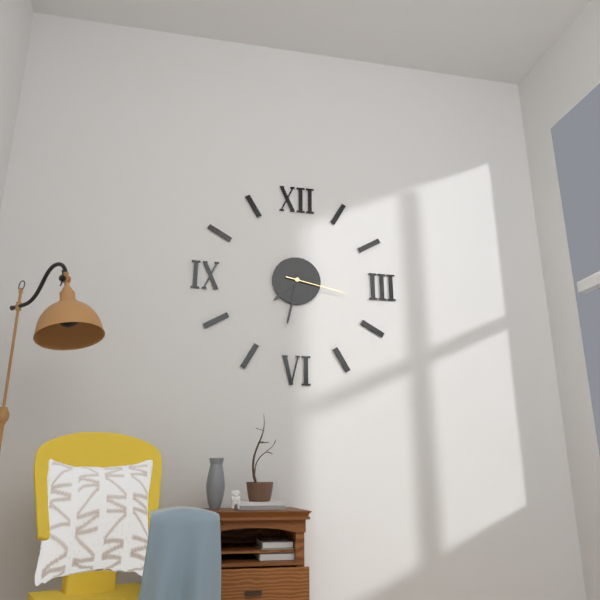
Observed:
{"hour": 7, "minute": 32, "second": 17}
